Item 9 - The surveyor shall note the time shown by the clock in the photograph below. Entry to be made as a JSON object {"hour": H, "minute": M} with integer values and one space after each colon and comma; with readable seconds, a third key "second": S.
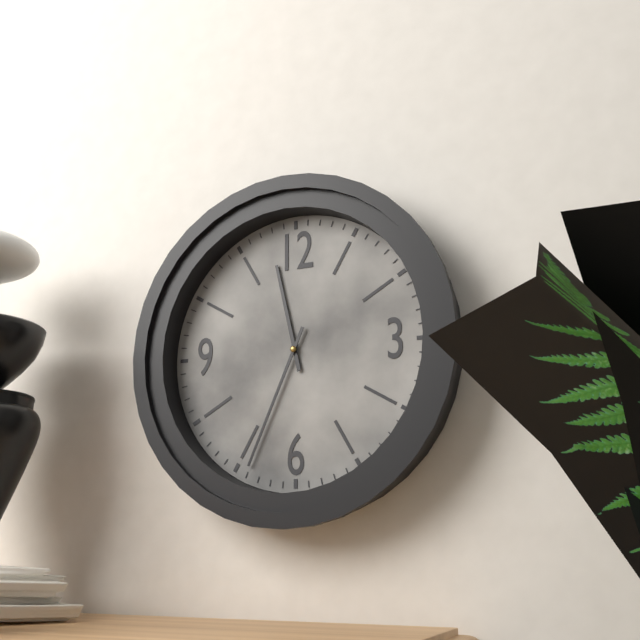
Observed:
{"hour": 11, "minute": 34}
